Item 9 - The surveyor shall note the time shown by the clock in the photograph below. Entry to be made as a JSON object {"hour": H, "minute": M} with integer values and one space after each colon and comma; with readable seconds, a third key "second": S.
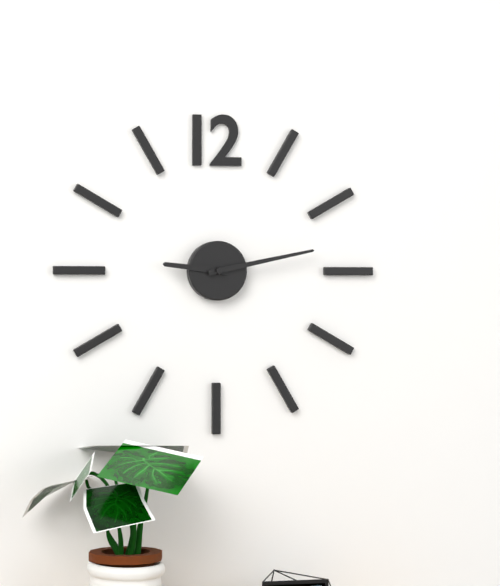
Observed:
{"hour": 9, "minute": 13}
